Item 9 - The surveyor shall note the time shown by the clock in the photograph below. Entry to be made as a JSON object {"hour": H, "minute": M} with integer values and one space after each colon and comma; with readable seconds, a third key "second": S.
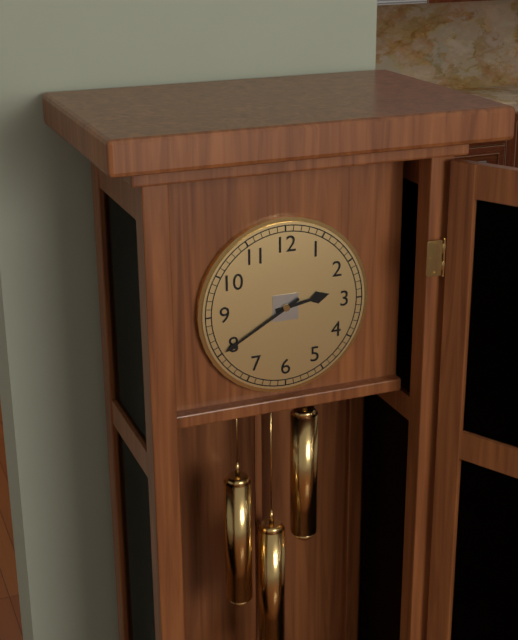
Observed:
{"hour": 2, "minute": 40}
